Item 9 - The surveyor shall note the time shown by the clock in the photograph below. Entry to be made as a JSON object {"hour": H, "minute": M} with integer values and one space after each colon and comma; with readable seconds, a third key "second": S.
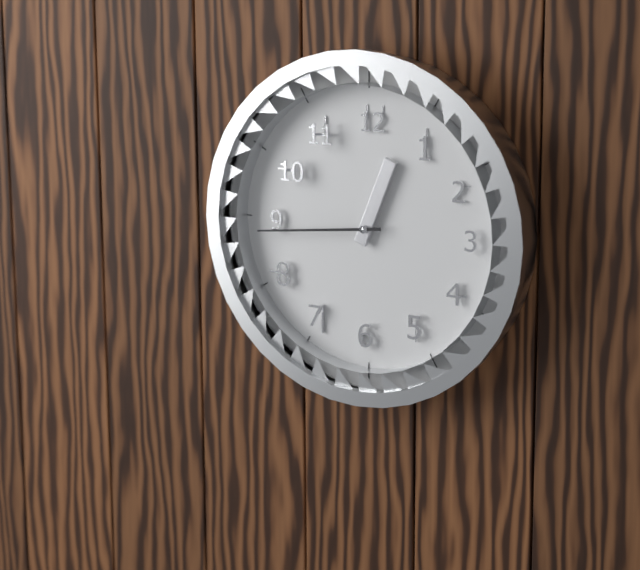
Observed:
{"hour": 12, "minute": 44}
